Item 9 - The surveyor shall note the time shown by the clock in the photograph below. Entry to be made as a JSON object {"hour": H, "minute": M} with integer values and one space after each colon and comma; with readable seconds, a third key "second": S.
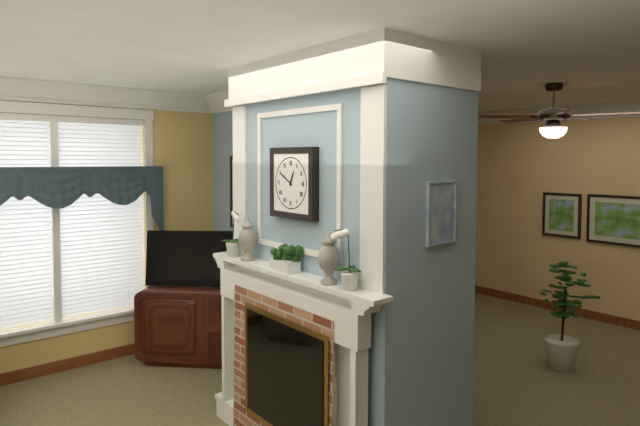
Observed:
{"hour": 12, "minute": 50}
